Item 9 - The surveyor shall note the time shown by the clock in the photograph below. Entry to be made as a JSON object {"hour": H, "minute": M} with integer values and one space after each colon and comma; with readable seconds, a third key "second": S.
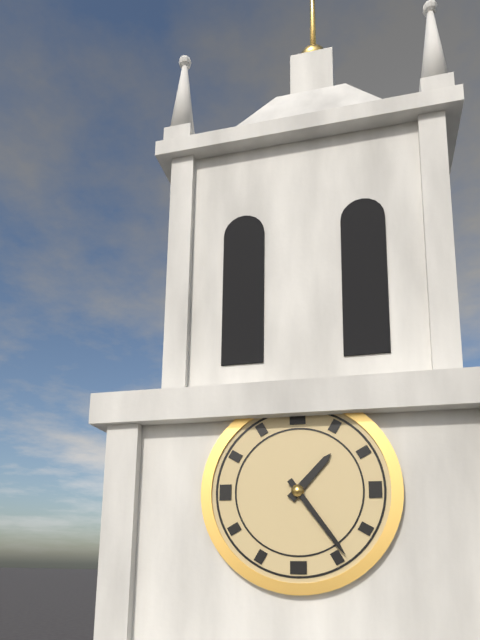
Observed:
{"hour": 1, "minute": 24}
